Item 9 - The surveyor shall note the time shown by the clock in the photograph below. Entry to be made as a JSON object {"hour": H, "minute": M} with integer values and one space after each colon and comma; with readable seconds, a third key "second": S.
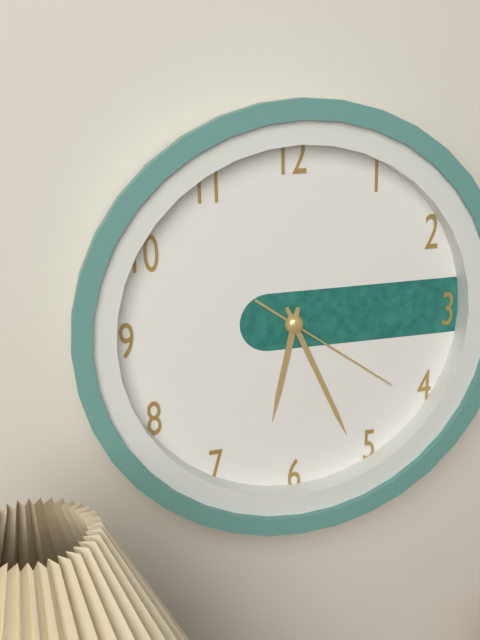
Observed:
{"hour": 6, "minute": 26, "second": 21}
